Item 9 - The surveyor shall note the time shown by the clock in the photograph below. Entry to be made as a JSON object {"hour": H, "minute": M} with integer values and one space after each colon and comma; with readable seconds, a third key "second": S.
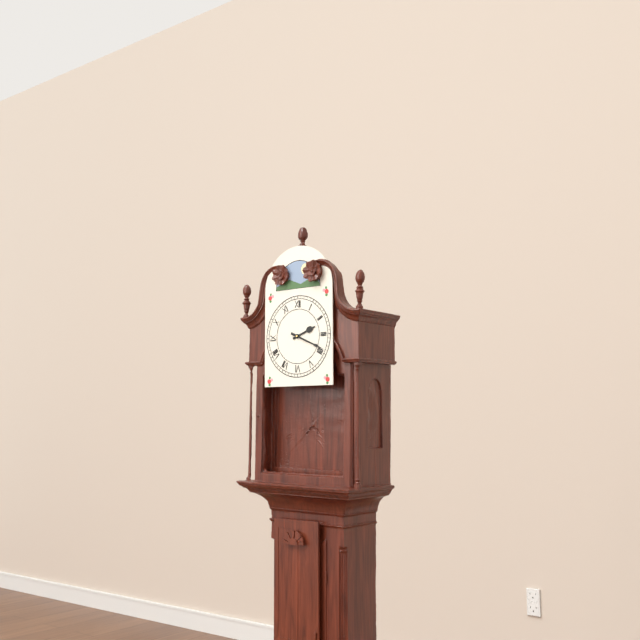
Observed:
{"hour": 2, "minute": 19}
